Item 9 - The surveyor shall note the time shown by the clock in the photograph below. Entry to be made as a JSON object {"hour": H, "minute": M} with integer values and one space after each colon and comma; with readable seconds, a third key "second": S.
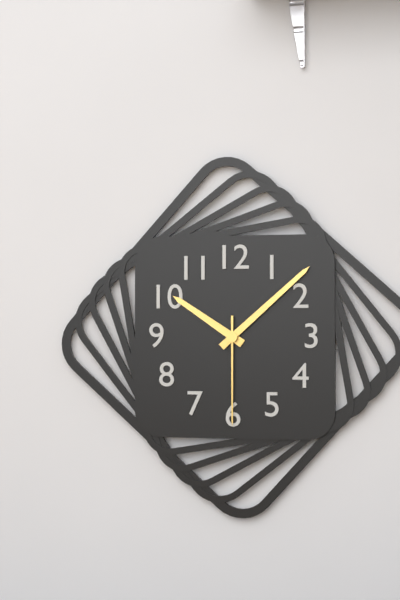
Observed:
{"hour": 10, "minute": 8, "second": 30}
